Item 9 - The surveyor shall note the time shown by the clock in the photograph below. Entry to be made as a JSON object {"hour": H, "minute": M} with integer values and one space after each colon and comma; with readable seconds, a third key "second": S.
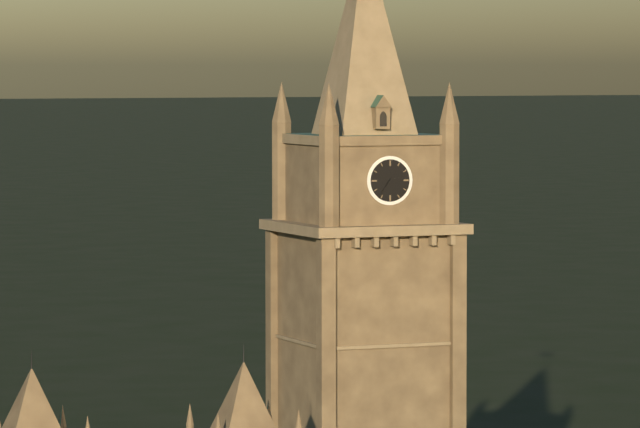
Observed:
{"hour": 2, "minute": 36}
